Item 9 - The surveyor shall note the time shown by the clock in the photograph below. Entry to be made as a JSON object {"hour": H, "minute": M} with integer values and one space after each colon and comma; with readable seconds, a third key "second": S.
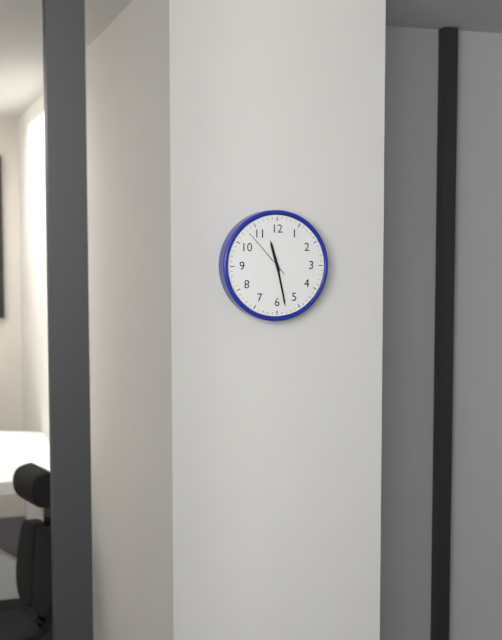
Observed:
{"hour": 11, "minute": 28, "second": 53}
